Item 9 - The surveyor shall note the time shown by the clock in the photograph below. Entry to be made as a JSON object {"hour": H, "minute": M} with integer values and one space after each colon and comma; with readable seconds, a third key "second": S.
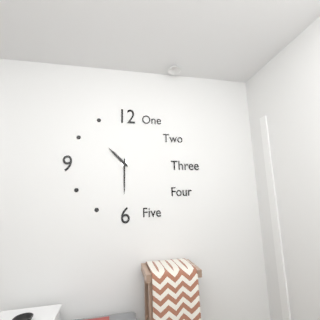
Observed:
{"hour": 10, "minute": 30}
